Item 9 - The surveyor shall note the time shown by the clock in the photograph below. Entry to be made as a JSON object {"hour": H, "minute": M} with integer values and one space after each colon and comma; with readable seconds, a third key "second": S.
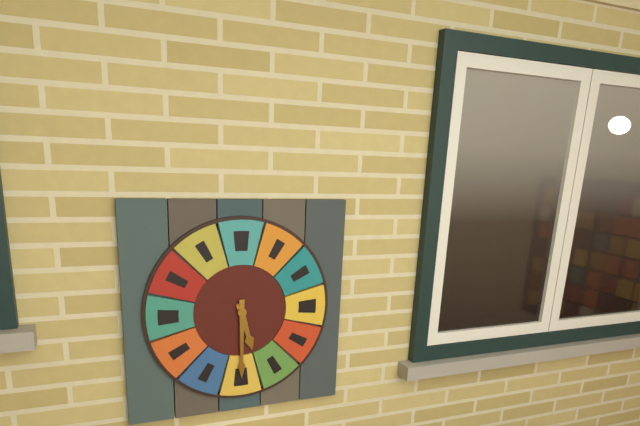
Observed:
{"hour": 5, "minute": 30}
